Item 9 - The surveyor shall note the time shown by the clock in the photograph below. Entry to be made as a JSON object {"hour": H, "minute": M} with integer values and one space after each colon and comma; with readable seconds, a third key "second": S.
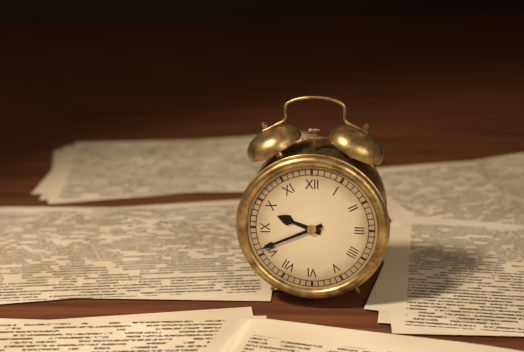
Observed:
{"hour": 9, "minute": 41}
